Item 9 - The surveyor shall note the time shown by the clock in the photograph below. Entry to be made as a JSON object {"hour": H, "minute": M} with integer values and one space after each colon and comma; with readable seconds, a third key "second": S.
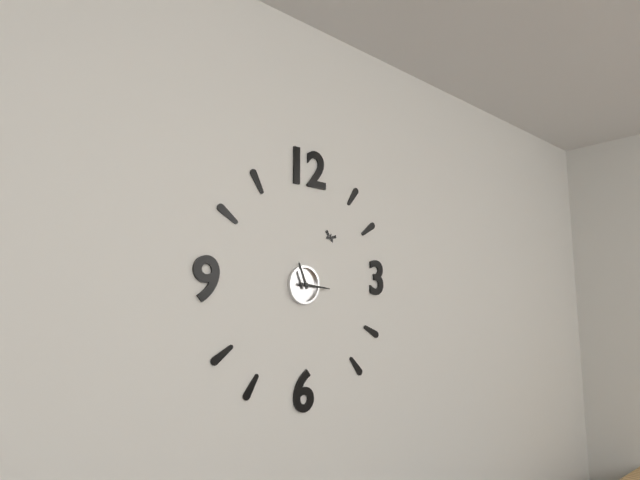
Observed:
{"hour": 11, "minute": 16}
